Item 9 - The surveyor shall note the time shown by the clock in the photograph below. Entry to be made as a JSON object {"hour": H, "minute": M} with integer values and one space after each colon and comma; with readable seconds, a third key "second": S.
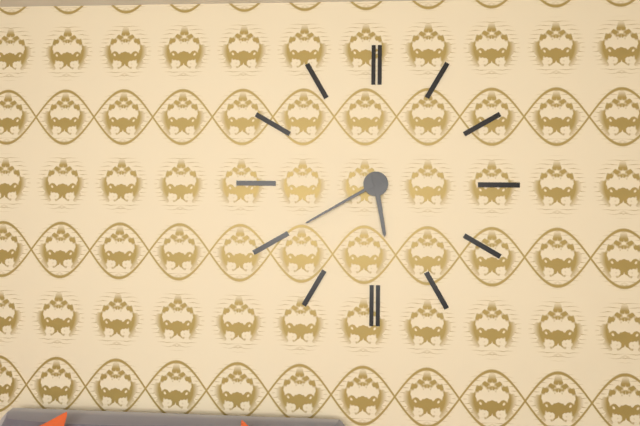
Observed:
{"hour": 5, "minute": 40}
